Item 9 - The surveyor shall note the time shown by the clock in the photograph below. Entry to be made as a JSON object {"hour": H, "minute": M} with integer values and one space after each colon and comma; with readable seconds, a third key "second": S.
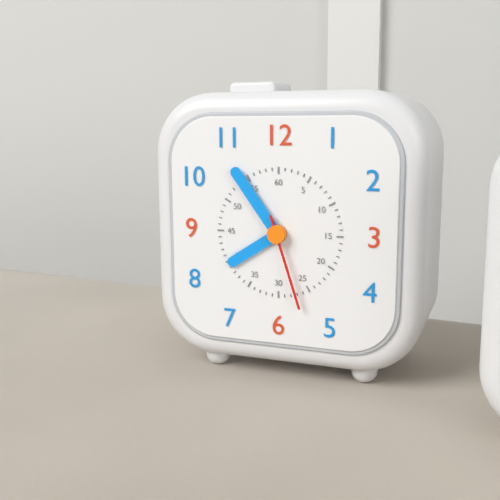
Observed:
{"hour": 7, "minute": 54, "second": 27}
